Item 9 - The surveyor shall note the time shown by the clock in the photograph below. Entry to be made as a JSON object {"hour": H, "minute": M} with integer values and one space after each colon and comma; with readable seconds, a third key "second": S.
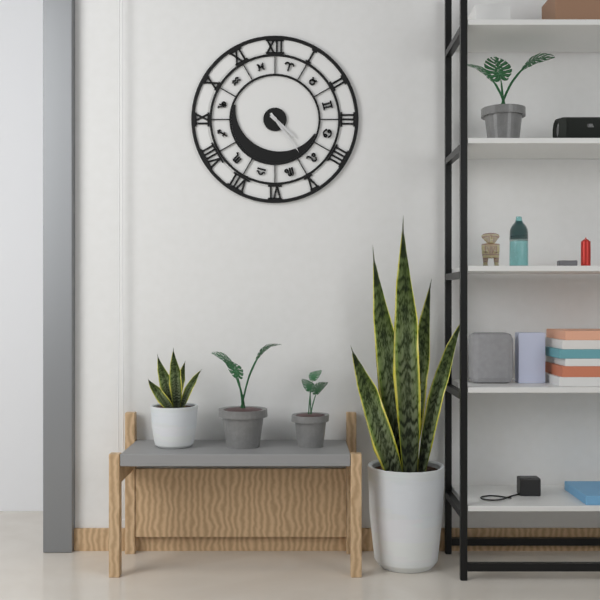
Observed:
{"hour": 4, "minute": 24}
